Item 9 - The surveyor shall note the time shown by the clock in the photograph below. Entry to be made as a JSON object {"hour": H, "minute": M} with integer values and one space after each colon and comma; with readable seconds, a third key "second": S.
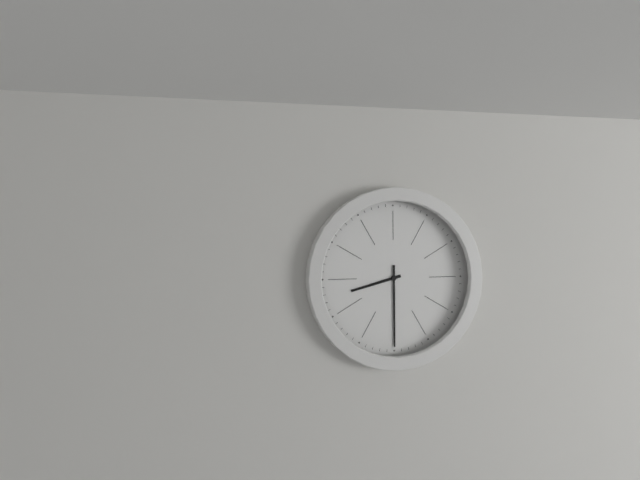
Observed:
{"hour": 8, "minute": 30}
